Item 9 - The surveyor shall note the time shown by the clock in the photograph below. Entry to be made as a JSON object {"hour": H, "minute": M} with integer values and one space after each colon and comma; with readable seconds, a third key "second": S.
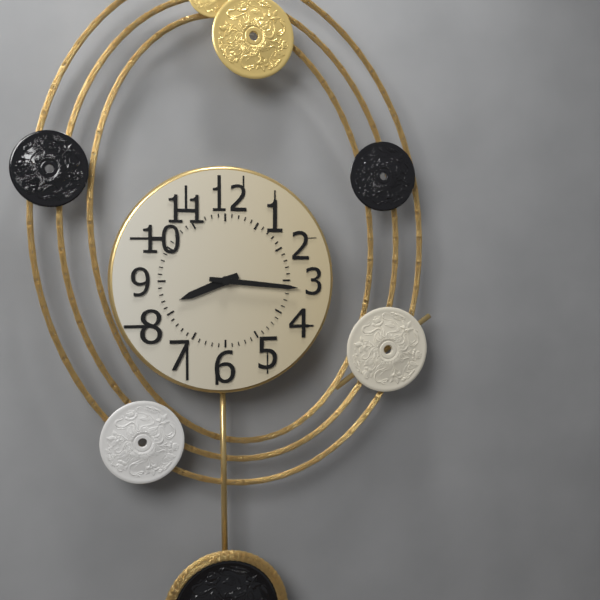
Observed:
{"hour": 8, "minute": 16}
